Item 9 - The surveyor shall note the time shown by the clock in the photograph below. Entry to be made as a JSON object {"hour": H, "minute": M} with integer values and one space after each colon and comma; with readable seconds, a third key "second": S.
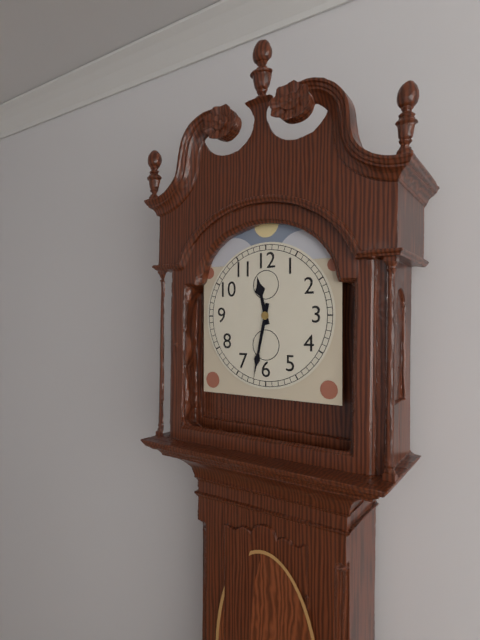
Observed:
{"hour": 11, "minute": 32}
